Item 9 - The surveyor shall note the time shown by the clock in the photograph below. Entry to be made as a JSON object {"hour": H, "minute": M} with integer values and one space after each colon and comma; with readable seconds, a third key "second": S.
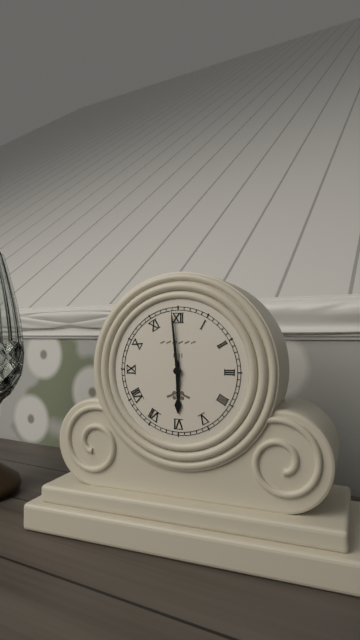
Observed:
{"hour": 5, "minute": 59}
